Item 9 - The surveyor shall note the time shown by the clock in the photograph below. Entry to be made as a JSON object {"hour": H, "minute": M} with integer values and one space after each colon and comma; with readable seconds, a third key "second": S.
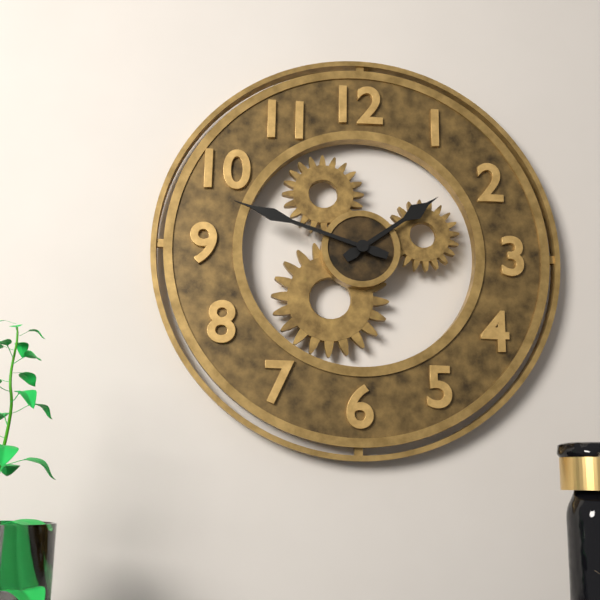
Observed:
{"hour": 1, "minute": 48}
